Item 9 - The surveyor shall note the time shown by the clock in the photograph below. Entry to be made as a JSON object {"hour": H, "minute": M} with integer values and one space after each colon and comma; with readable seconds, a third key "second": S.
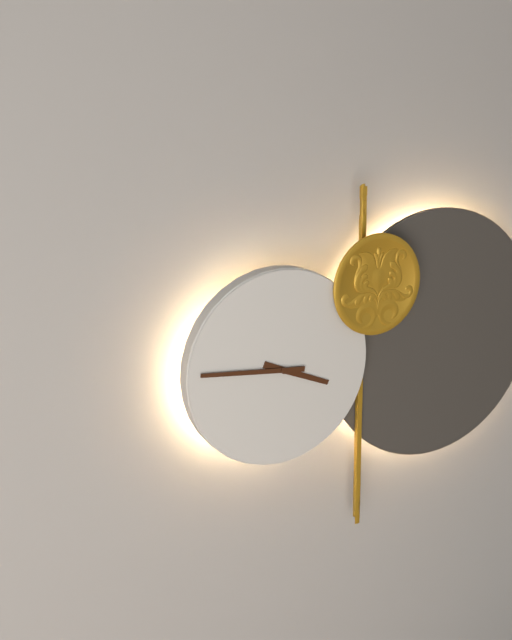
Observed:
{"hour": 3, "minute": 46}
